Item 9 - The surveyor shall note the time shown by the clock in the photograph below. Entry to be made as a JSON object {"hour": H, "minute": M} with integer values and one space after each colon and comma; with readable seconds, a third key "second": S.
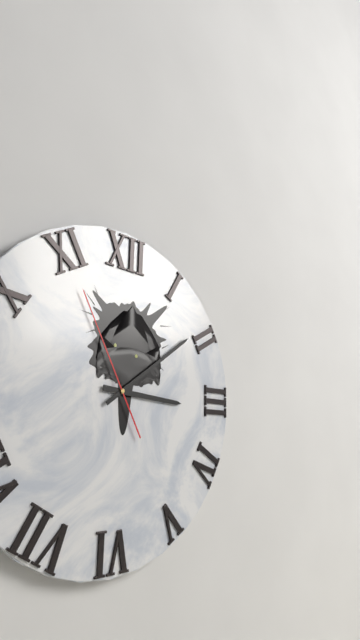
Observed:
{"hour": 3, "minute": 9, "second": 55}
